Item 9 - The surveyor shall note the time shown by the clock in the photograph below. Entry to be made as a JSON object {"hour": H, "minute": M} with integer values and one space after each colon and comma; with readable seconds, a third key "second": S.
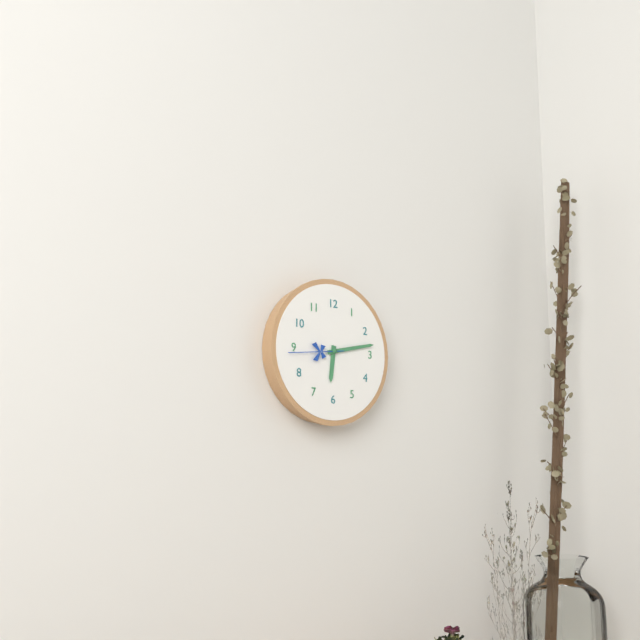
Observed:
{"hour": 6, "minute": 13, "second": 44}
